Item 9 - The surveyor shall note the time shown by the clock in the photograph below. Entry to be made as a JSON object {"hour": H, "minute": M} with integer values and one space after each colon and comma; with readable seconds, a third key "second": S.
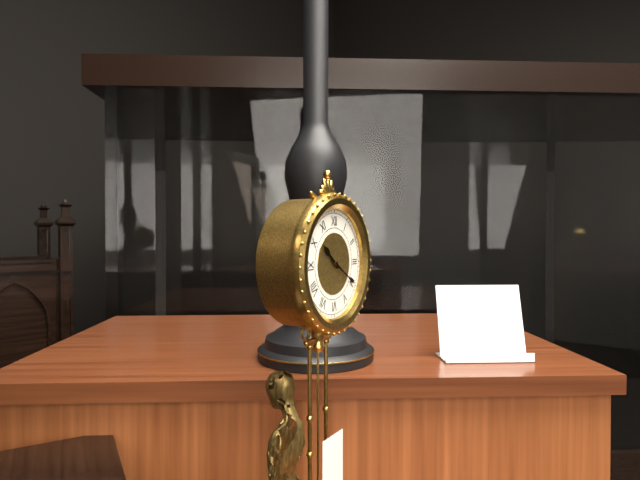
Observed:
{"hour": 10, "minute": 20}
